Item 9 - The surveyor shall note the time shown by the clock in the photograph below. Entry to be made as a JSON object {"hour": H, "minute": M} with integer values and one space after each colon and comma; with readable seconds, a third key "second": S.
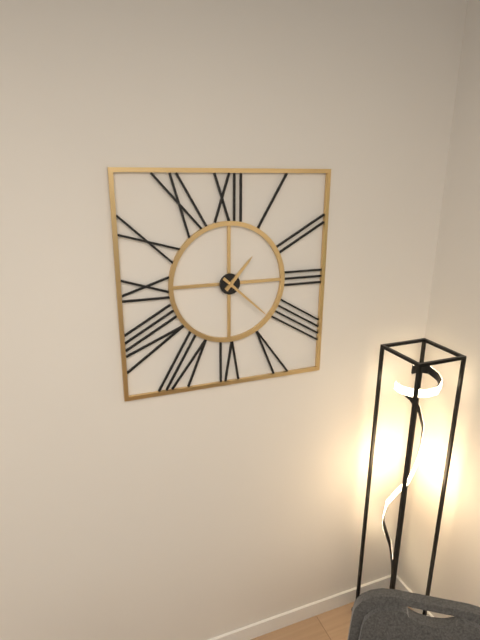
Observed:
{"hour": 1, "minute": 22}
